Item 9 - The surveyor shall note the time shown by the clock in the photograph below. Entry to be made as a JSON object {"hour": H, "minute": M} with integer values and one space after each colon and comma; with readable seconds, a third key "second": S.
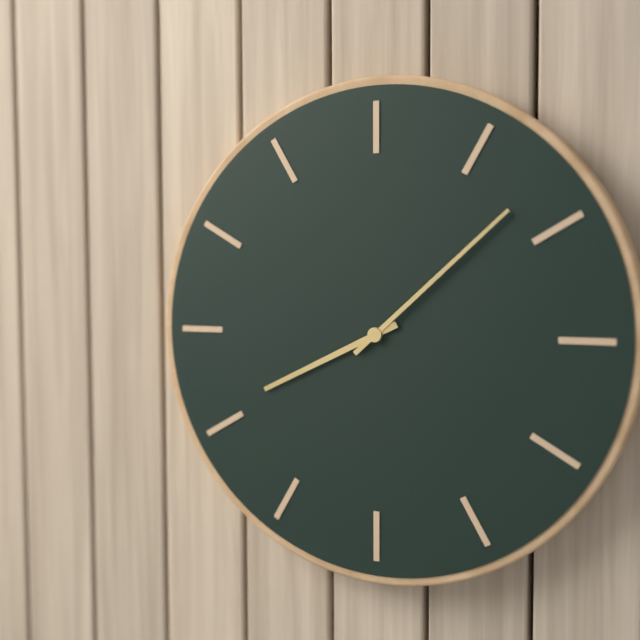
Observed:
{"hour": 8, "minute": 8}
